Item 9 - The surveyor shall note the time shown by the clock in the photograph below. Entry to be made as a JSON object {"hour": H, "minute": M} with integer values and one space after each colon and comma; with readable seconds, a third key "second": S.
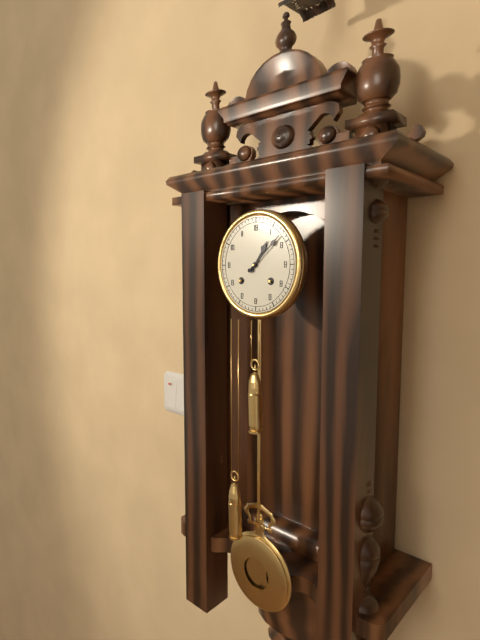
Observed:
{"hour": 1, "minute": 8}
